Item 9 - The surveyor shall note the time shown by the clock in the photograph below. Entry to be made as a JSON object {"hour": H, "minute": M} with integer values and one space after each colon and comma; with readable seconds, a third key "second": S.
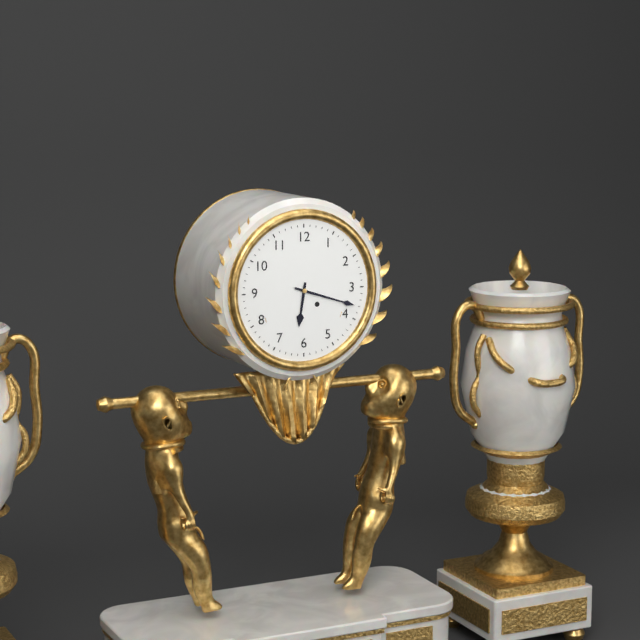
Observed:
{"hour": 6, "minute": 18}
